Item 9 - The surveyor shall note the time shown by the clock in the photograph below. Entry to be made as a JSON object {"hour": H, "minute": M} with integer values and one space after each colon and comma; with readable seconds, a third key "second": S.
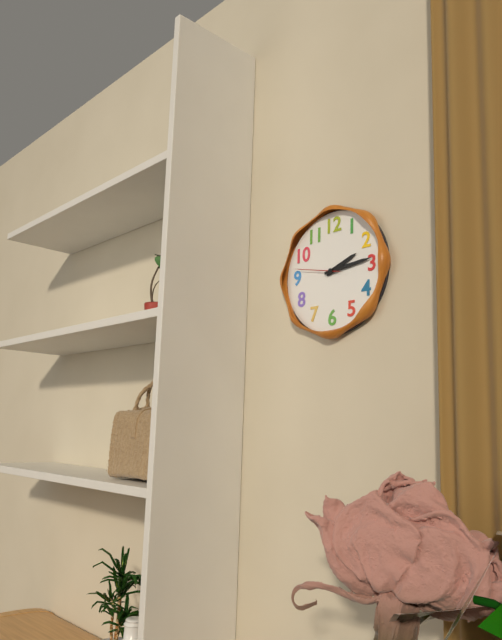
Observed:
{"hour": 2, "minute": 14}
